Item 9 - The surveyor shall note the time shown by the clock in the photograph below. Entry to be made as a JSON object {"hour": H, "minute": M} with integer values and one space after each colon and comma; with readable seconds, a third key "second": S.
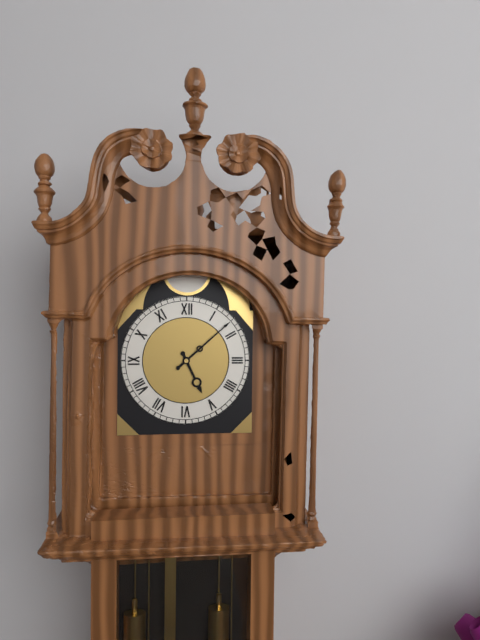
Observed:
{"hour": 5, "minute": 8}
